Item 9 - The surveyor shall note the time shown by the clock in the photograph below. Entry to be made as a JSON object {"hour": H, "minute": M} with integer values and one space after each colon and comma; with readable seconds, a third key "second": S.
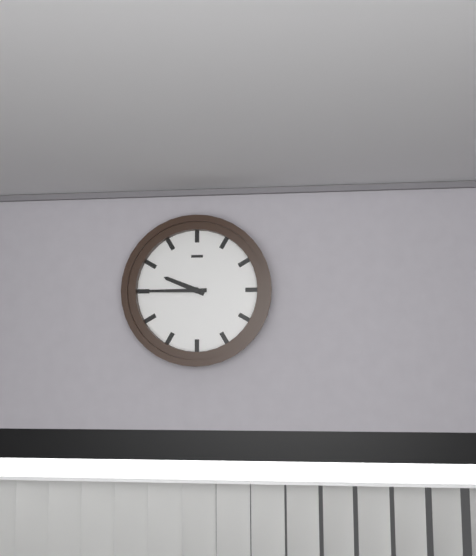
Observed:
{"hour": 9, "minute": 45}
